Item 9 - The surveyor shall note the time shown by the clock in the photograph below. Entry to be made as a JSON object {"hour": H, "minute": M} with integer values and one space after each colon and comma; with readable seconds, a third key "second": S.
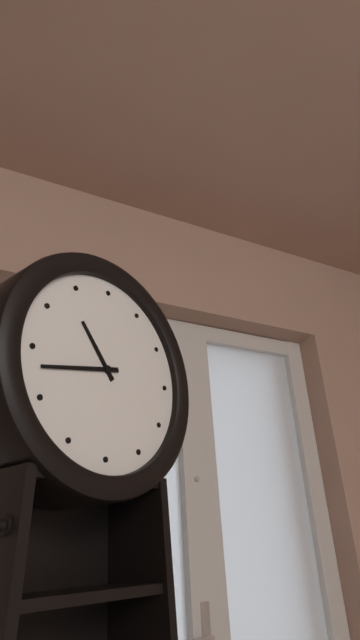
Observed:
{"hour": 10, "minute": 43}
